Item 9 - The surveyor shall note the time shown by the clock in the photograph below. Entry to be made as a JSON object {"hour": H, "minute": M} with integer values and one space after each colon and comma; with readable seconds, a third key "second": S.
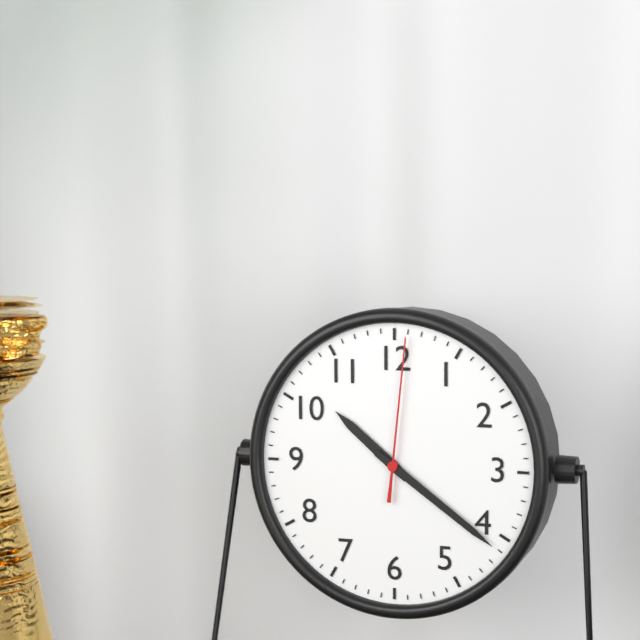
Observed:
{"hour": 10, "minute": 21, "second": 1}
